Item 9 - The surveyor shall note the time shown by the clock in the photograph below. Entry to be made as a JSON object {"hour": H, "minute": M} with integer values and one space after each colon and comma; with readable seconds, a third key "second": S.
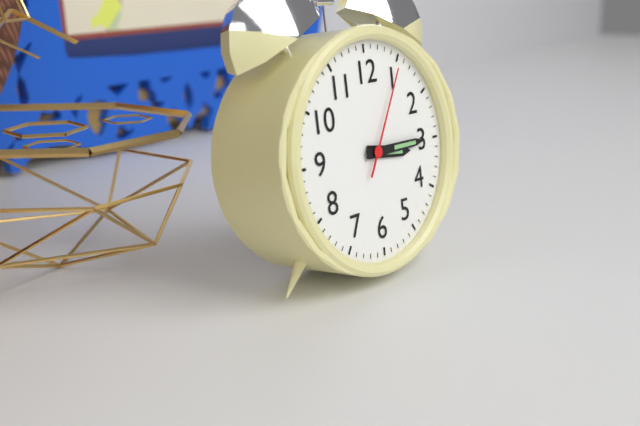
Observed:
{"hour": 3, "minute": 15, "second": 5}
